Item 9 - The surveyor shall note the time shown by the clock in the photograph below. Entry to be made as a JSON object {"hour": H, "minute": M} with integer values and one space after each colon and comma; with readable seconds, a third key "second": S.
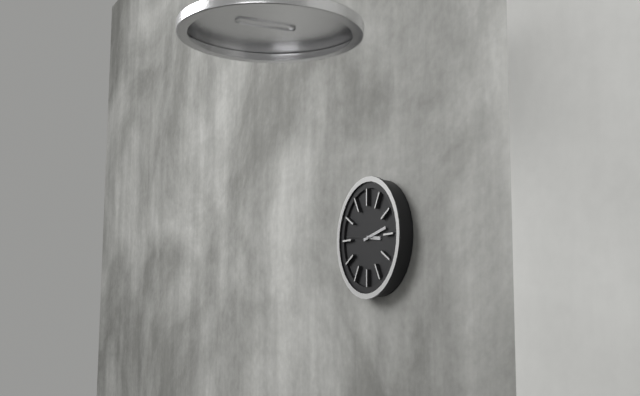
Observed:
{"hour": 3, "minute": 13}
